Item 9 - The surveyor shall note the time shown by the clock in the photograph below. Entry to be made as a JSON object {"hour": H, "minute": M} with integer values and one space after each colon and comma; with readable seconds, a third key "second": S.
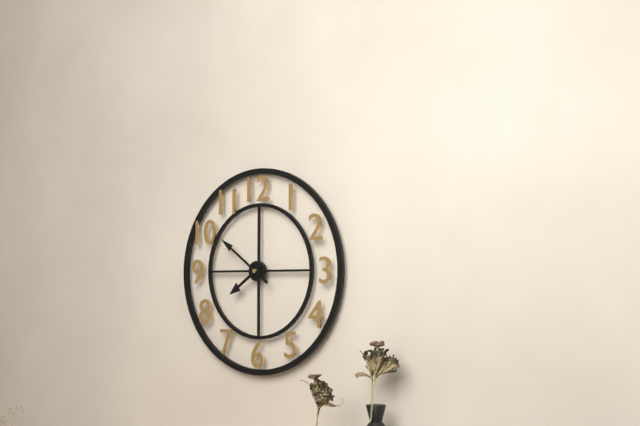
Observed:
{"hour": 7, "minute": 51}
